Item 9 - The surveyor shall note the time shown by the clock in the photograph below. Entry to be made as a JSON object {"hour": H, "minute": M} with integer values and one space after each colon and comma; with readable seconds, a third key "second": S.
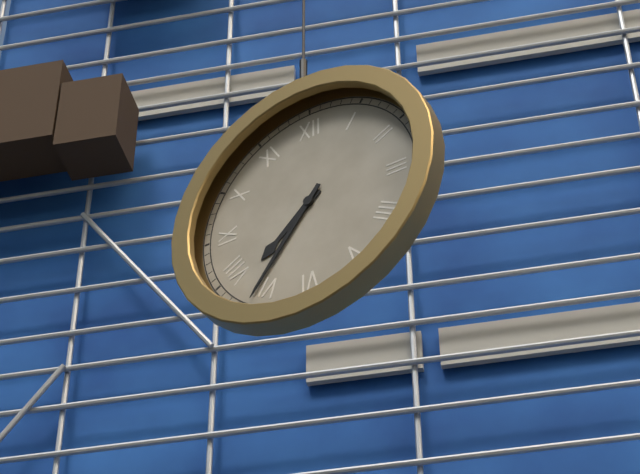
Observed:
{"hour": 7, "minute": 36}
